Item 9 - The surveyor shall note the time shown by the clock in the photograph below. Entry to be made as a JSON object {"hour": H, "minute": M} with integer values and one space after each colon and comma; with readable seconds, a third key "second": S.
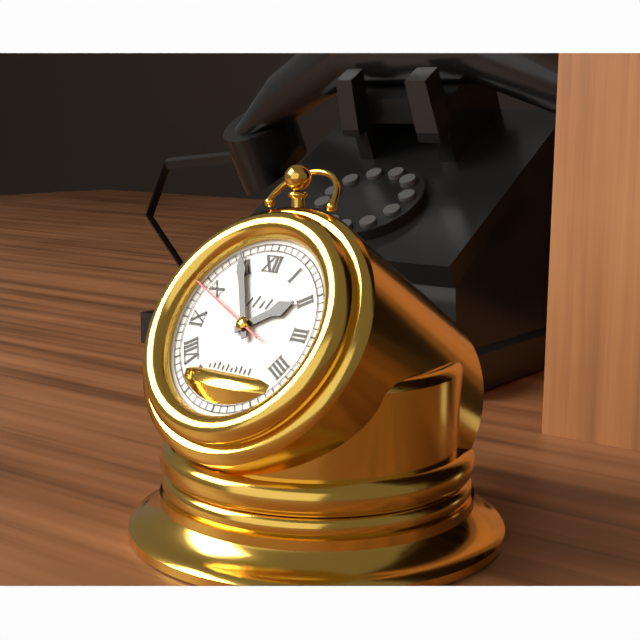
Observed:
{"hour": 1, "minute": 55, "second": 49}
